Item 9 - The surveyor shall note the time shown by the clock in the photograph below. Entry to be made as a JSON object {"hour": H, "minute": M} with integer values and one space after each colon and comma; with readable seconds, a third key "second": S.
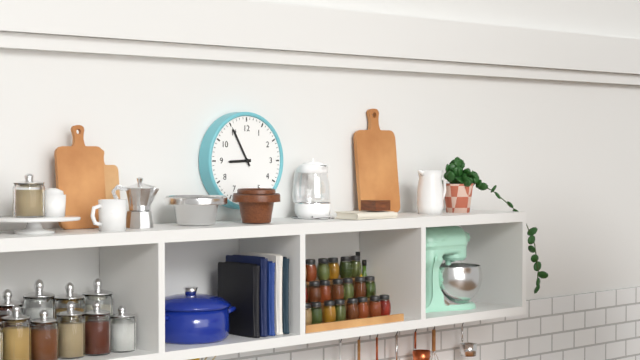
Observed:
{"hour": 8, "minute": 55}
